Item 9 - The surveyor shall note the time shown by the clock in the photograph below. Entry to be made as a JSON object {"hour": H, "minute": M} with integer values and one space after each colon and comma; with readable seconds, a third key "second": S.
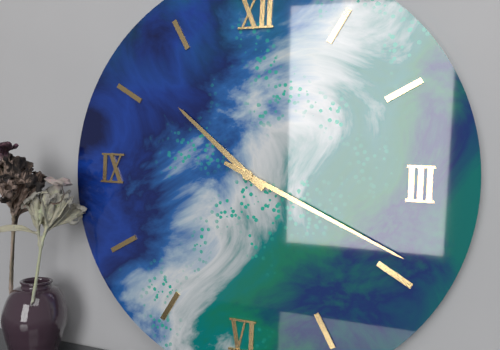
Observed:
{"hour": 10, "minute": 19}
